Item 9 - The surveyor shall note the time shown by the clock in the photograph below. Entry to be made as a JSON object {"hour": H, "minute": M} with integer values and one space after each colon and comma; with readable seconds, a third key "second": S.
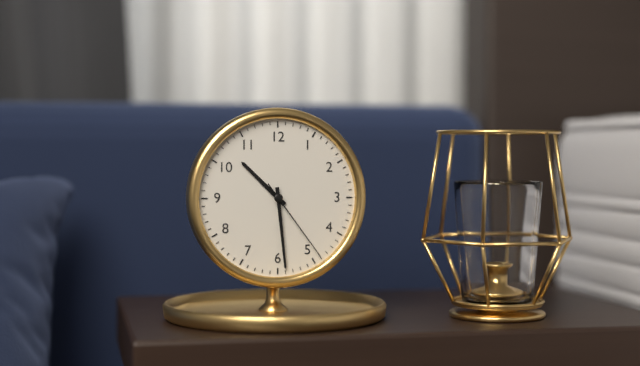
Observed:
{"hour": 10, "minute": 29, "second": 24}
